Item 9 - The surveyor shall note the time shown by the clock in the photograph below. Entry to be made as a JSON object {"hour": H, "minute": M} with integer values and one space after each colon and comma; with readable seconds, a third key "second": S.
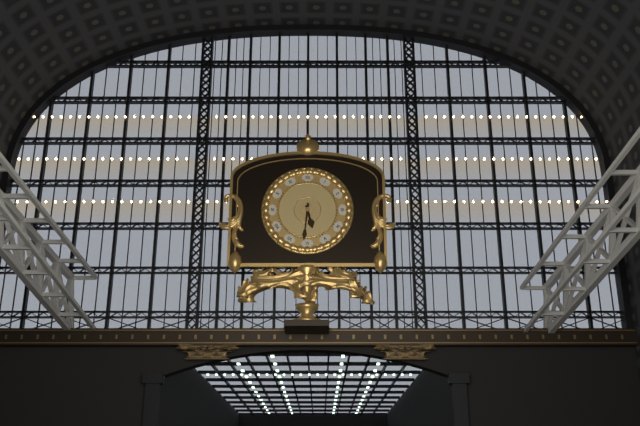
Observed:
{"hour": 5, "minute": 31}
